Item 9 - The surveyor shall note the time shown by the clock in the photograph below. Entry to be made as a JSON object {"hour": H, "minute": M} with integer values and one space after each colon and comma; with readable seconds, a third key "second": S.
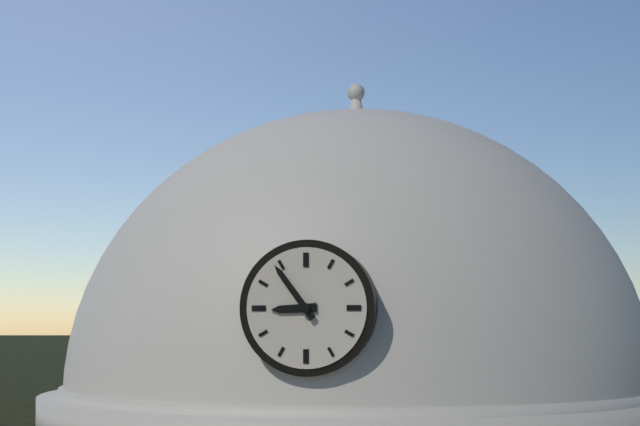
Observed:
{"hour": 8, "minute": 54}
